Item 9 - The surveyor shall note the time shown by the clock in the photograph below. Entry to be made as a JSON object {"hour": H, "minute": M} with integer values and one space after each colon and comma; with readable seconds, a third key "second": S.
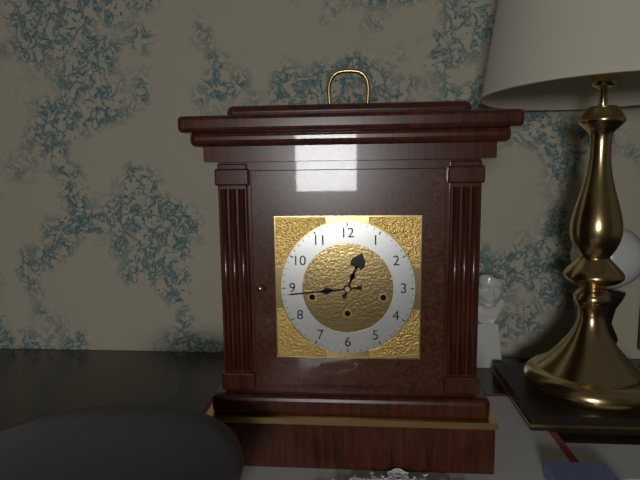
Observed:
{"hour": 12, "minute": 44}
